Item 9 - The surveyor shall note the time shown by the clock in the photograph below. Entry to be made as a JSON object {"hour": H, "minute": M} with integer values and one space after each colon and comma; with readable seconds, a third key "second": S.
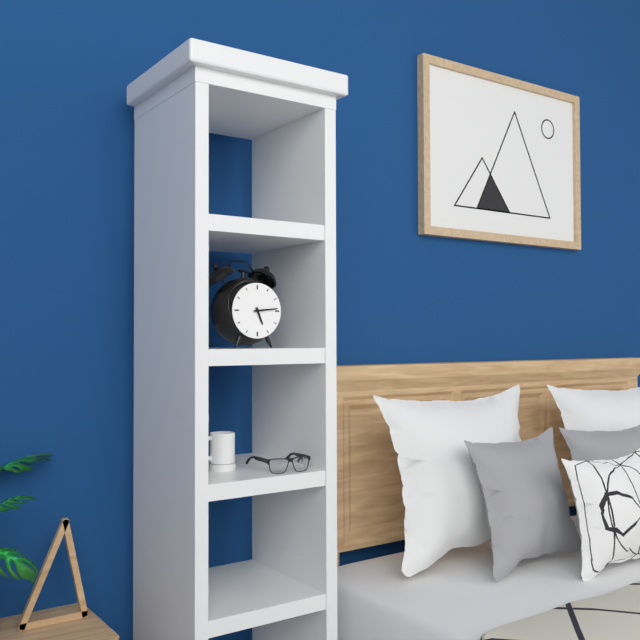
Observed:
{"hour": 5, "minute": 14}
